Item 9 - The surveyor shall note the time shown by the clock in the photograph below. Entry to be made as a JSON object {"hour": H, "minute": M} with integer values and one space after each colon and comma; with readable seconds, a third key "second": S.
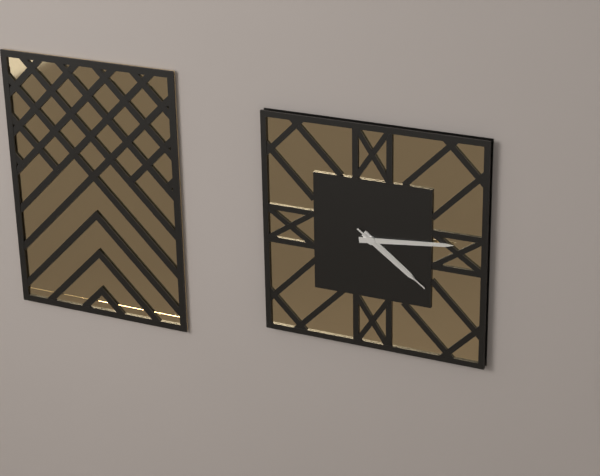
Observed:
{"hour": 4, "minute": 14, "second": 21}
